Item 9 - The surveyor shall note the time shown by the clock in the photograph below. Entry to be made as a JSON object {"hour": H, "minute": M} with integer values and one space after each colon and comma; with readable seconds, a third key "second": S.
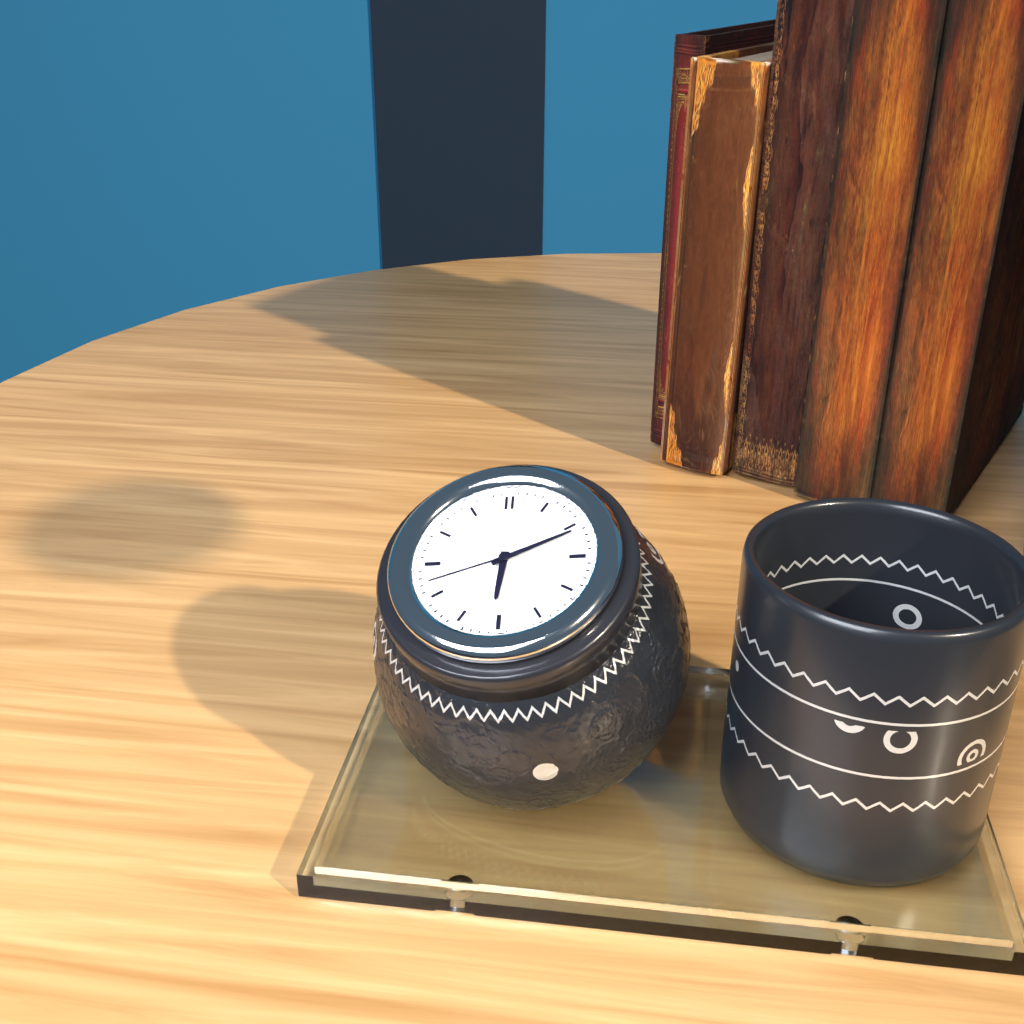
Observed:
{"hour": 6, "minute": 11, "second": 42}
